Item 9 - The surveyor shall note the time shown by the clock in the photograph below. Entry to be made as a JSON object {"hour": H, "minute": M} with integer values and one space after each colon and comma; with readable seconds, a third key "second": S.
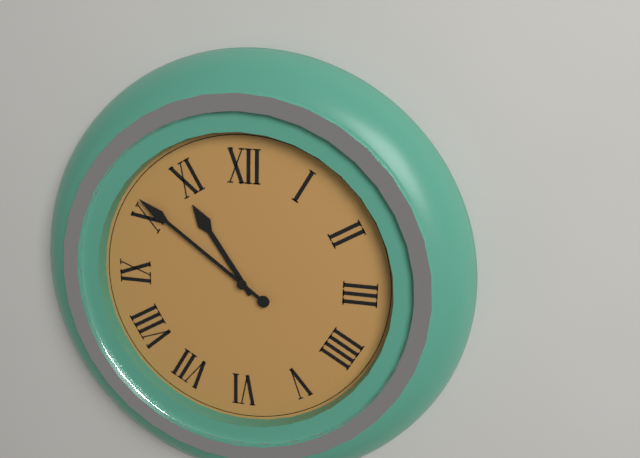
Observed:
{"hour": 10, "minute": 51}
